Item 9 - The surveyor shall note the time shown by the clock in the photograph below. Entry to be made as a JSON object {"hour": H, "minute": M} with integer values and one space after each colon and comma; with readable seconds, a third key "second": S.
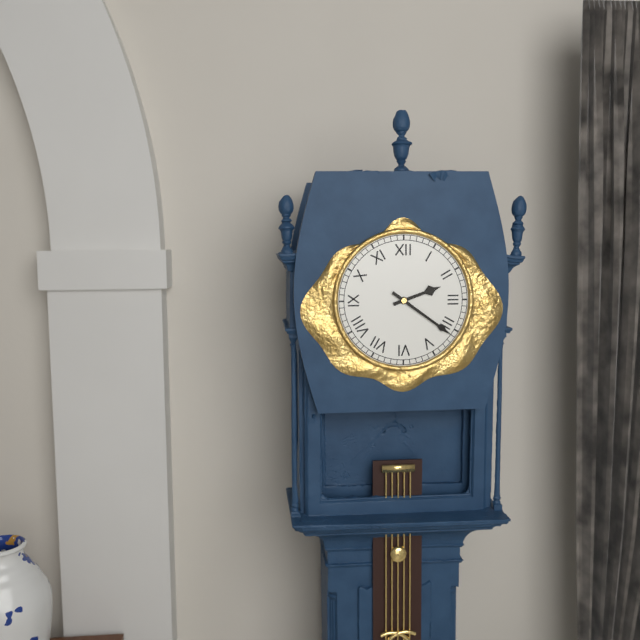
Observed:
{"hour": 2, "minute": 21}
